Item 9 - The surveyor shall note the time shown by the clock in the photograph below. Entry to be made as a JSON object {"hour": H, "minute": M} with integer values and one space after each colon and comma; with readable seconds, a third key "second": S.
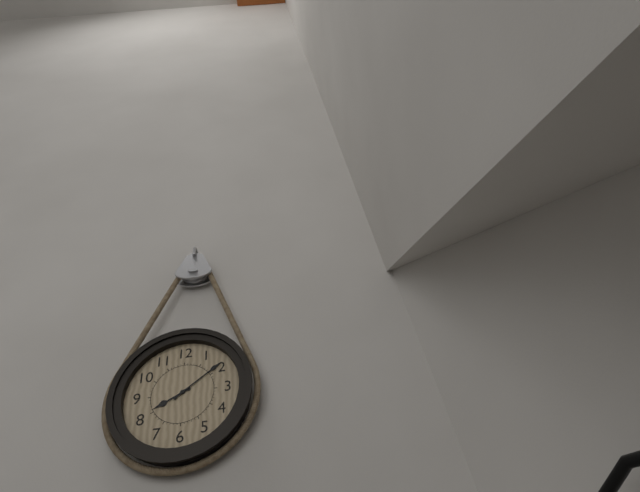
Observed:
{"hour": 8, "minute": 9}
